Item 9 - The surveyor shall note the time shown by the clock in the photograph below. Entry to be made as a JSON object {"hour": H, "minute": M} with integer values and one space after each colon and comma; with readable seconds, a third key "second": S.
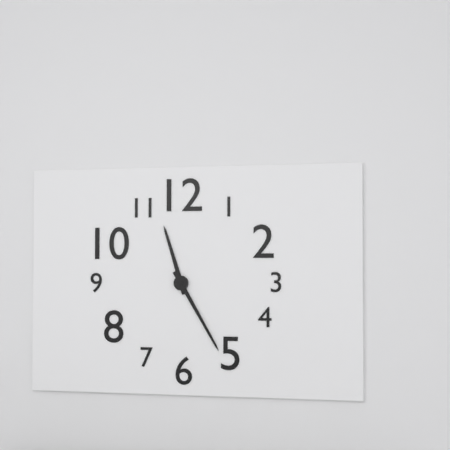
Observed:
{"hour": 11, "minute": 25}
